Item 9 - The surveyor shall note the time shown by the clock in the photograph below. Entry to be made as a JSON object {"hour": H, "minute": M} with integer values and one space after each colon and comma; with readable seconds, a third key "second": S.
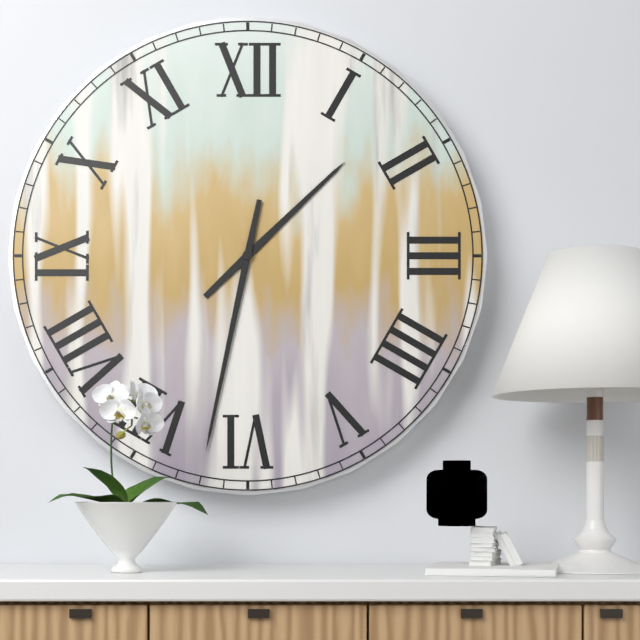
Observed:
{"hour": 1, "minute": 32}
